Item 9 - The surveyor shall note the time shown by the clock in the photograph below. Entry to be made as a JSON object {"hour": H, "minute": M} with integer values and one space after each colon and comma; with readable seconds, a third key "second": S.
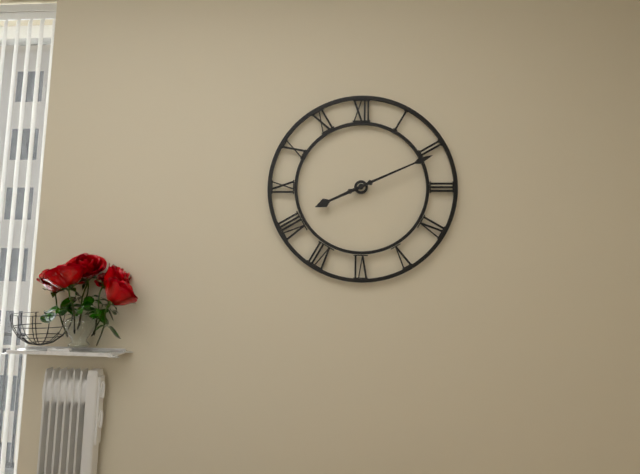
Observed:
{"hour": 8, "minute": 11}
